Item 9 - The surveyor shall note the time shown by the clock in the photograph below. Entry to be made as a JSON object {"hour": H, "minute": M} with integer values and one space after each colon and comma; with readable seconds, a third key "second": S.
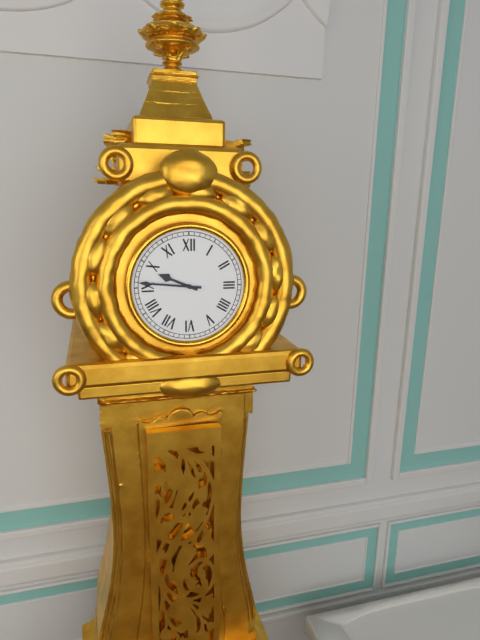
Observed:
{"hour": 9, "minute": 46}
